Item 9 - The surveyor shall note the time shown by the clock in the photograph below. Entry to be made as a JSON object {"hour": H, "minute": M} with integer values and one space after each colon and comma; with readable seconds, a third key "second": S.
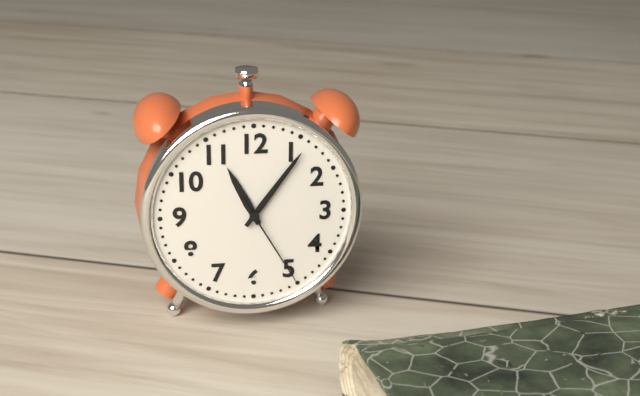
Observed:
{"hour": 11, "minute": 6, "second": 25}
